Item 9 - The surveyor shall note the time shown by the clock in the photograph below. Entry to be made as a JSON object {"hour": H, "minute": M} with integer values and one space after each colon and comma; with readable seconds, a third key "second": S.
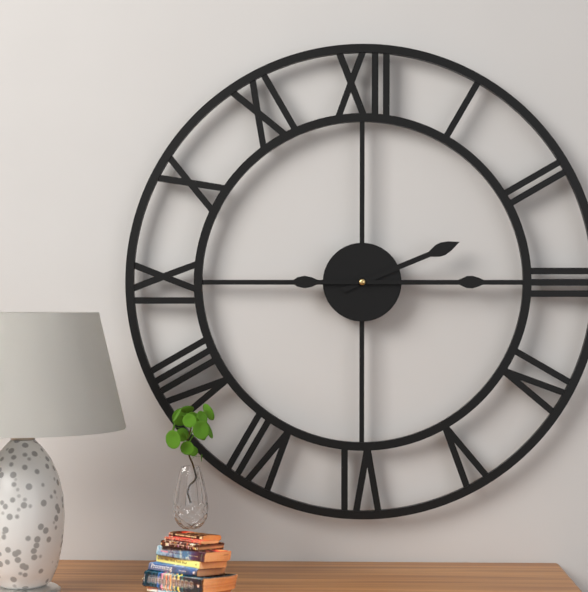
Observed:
{"hour": 2, "minute": 15}
